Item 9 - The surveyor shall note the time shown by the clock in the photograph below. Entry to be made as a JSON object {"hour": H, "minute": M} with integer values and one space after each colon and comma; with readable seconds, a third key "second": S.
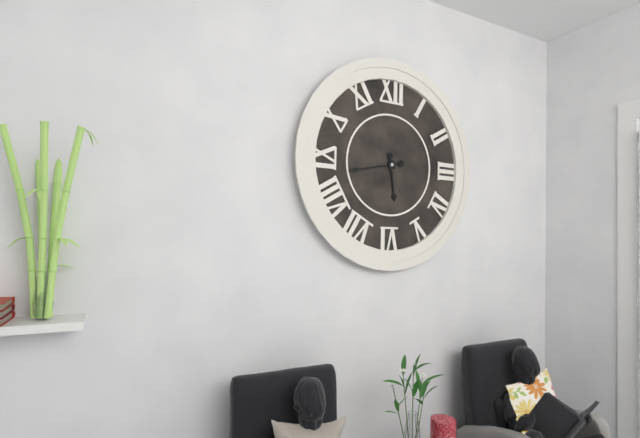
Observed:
{"hour": 5, "minute": 43}
